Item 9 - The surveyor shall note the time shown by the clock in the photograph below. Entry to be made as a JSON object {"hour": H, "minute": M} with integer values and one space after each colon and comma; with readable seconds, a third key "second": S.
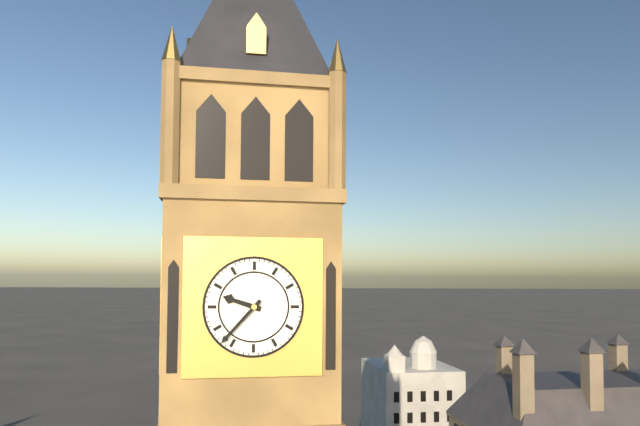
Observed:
{"hour": 9, "minute": 37}
